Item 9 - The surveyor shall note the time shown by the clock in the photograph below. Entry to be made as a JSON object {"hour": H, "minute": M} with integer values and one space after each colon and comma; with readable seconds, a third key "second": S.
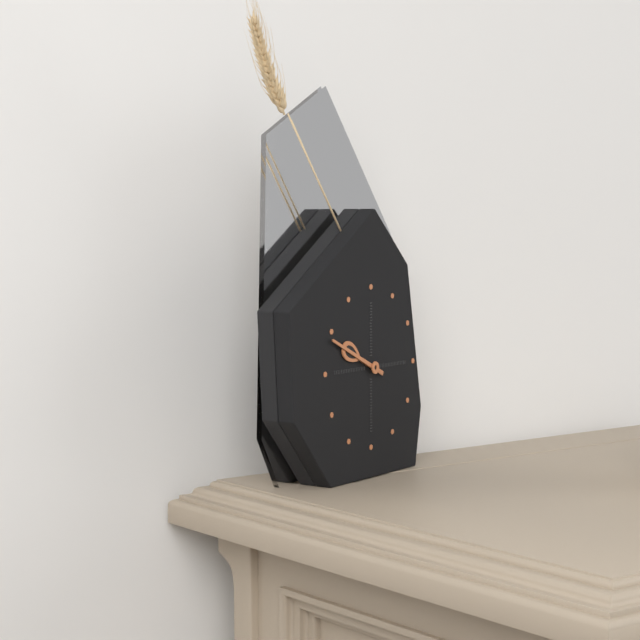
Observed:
{"hour": 9, "minute": 49}
